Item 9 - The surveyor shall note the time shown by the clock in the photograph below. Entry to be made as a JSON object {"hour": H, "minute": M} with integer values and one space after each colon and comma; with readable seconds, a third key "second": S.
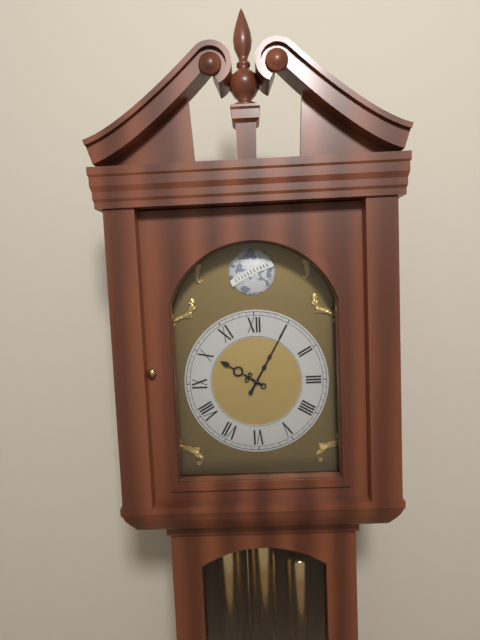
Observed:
{"hour": 10, "minute": 5}
